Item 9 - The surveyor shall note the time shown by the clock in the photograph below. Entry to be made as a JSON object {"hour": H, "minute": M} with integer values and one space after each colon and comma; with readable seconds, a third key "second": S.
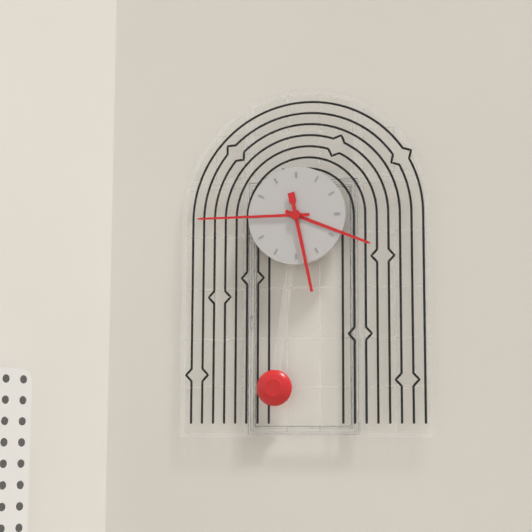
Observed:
{"hour": 3, "minute": 45, "second": 28}
